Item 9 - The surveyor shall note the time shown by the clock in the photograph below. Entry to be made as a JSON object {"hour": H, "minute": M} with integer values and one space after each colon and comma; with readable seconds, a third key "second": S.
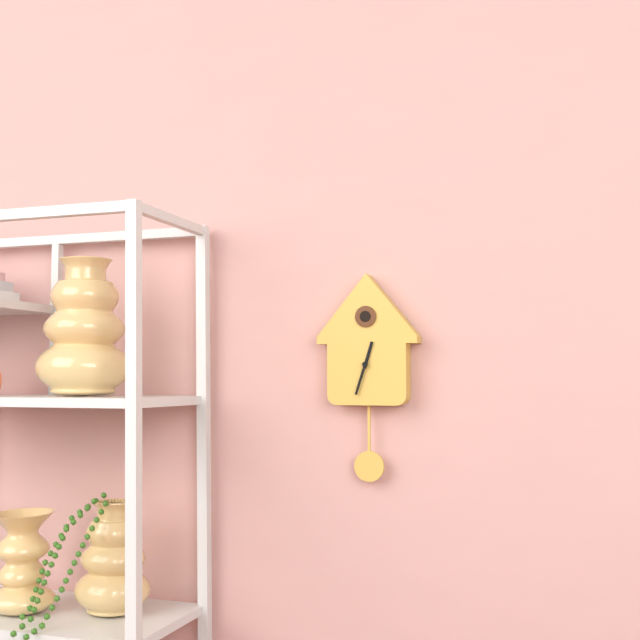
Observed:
{"hour": 12, "minute": 33}
